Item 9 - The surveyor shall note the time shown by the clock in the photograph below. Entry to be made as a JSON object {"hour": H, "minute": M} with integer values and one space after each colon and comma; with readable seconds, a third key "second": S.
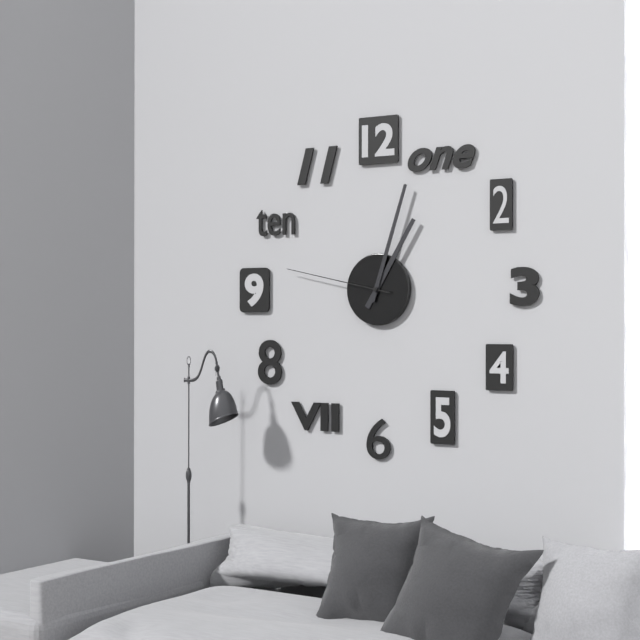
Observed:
{"hour": 1, "minute": 3, "second": 47}
